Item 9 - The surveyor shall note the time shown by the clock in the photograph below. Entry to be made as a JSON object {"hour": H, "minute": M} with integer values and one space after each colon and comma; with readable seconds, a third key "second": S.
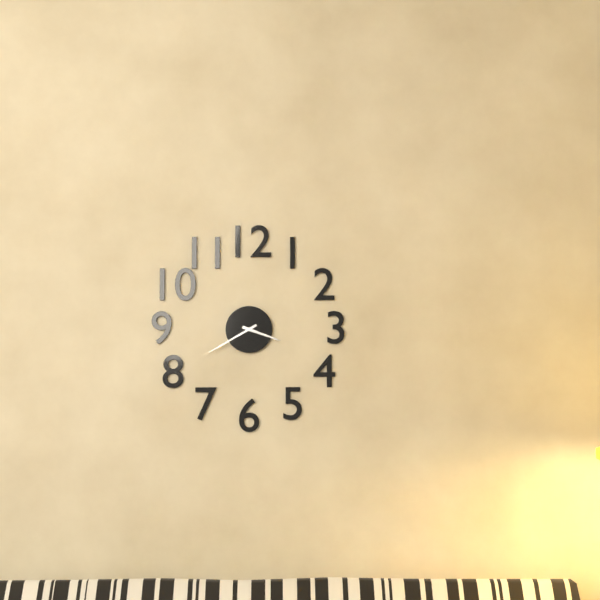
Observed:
{"hour": 3, "minute": 40}
